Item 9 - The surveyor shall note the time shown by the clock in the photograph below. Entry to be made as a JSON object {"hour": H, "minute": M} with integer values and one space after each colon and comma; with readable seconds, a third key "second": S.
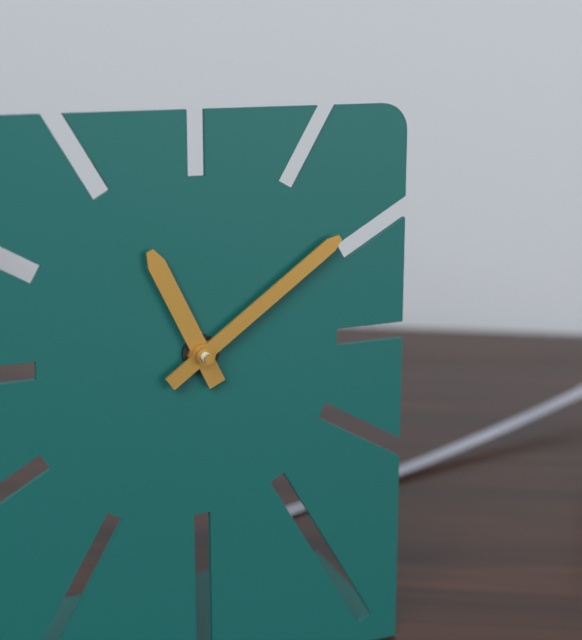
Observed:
{"hour": 11, "minute": 9}
